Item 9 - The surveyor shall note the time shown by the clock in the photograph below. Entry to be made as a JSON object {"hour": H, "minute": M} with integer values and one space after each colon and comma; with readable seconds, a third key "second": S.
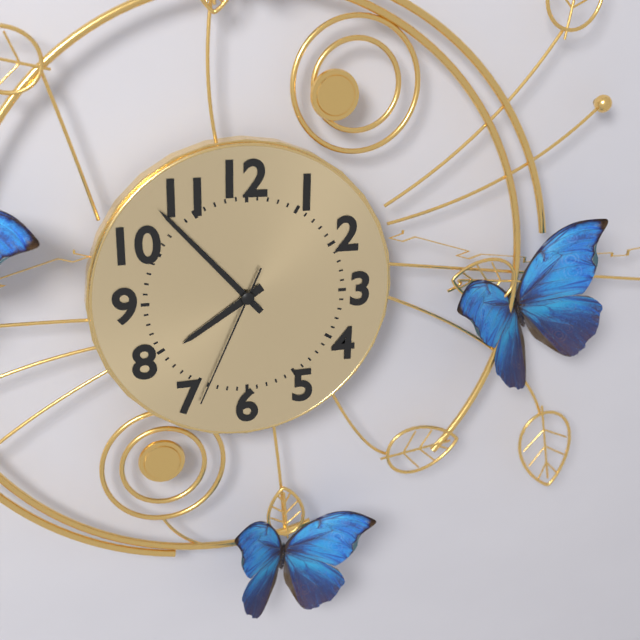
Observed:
{"hour": 7, "minute": 53, "second": 34}
